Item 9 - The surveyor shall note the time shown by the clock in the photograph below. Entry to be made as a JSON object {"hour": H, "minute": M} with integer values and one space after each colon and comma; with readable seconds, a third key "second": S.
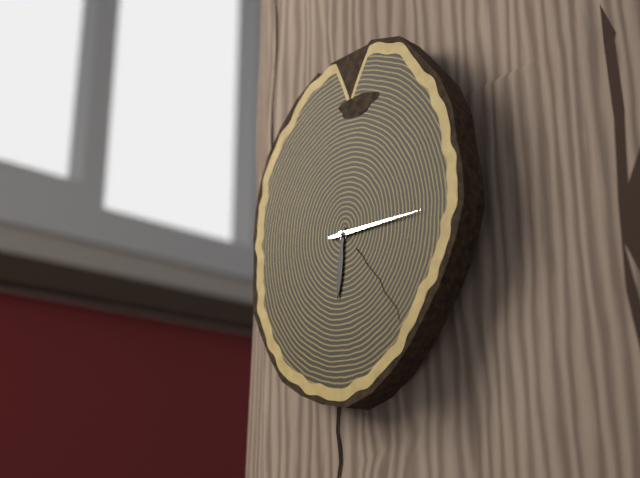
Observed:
{"hour": 6, "minute": 15}
